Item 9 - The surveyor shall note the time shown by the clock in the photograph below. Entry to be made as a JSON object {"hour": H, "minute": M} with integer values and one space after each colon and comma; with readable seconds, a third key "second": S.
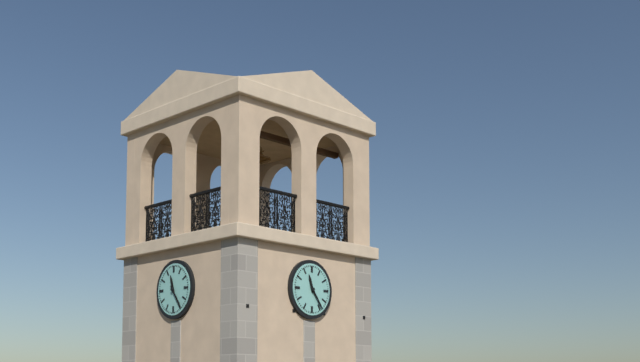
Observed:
{"hour": 11, "minute": 24}
